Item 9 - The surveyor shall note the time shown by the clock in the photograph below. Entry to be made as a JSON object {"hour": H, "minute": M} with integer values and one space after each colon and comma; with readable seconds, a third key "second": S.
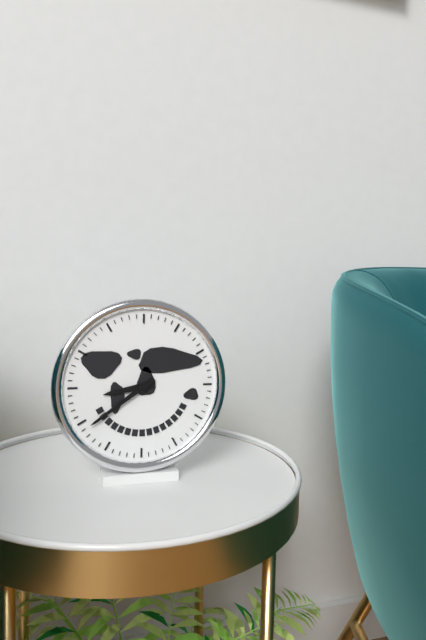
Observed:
{"hour": 8, "minute": 39}
